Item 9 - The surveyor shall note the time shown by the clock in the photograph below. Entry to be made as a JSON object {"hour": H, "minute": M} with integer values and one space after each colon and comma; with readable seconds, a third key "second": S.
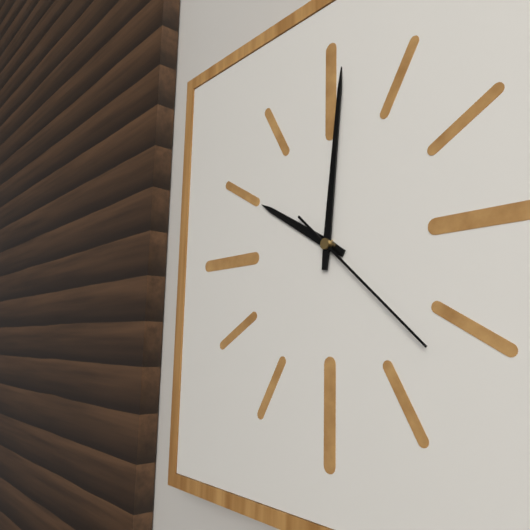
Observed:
{"hour": 10, "minute": 1, "second": 22}
